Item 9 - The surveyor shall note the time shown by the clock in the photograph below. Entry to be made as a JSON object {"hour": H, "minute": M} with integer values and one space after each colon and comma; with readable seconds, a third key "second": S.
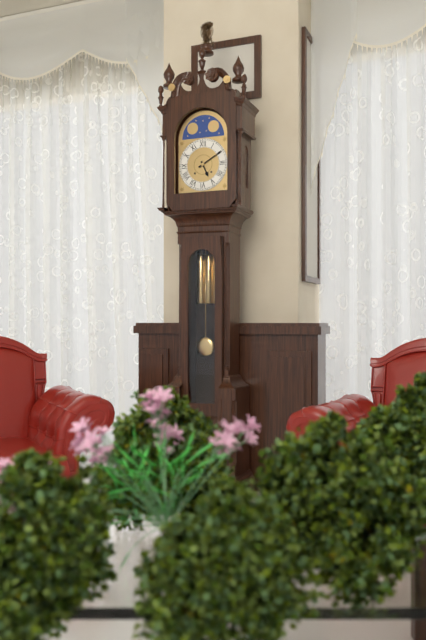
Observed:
{"hour": 5, "minute": 10}
